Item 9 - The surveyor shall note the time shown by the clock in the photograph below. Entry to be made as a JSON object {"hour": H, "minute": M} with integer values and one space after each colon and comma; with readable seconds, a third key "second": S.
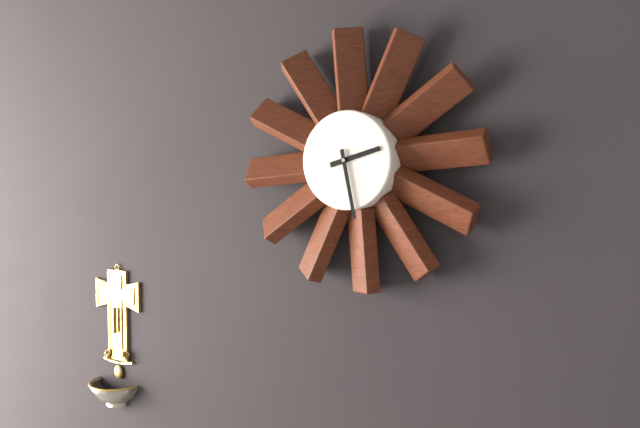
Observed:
{"hour": 2, "minute": 28}
